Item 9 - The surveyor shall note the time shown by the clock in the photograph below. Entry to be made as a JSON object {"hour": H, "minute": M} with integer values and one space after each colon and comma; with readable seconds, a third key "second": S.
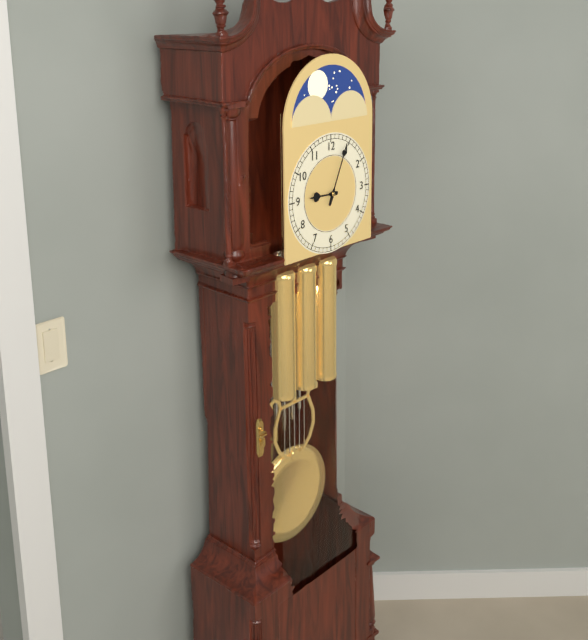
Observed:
{"hour": 9, "minute": 4}
